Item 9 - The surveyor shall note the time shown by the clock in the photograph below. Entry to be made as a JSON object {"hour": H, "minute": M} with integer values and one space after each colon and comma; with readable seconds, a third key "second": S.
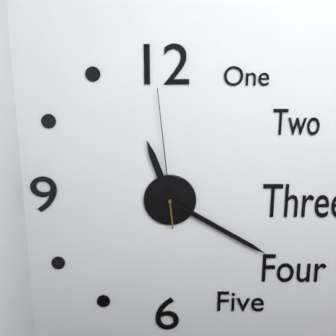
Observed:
{"hour": 11, "minute": 20, "second": 59}
